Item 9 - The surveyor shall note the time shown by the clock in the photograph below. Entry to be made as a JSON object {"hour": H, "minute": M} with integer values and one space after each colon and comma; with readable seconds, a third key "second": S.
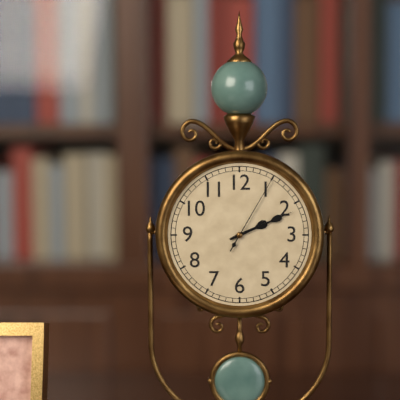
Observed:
{"hour": 2, "minute": 11, "second": 5}
